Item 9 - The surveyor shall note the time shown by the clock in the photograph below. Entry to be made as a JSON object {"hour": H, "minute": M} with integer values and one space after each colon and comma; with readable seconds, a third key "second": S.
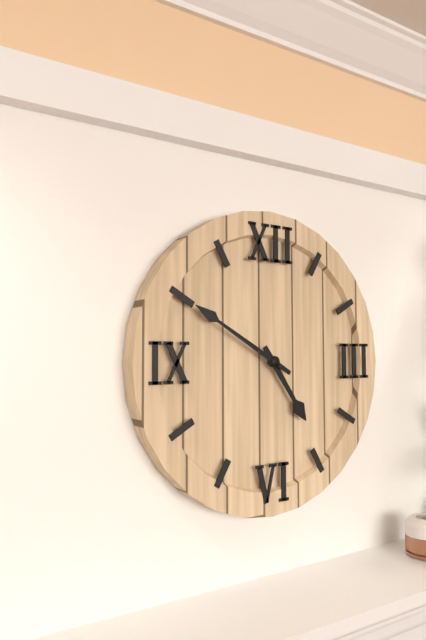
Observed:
{"hour": 4, "minute": 50}
